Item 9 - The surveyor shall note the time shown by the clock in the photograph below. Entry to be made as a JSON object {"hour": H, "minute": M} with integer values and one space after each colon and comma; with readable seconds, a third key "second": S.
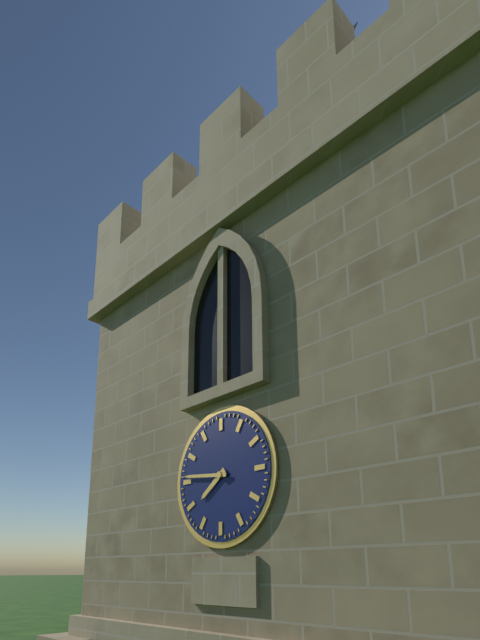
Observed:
{"hour": 7, "minute": 46}
